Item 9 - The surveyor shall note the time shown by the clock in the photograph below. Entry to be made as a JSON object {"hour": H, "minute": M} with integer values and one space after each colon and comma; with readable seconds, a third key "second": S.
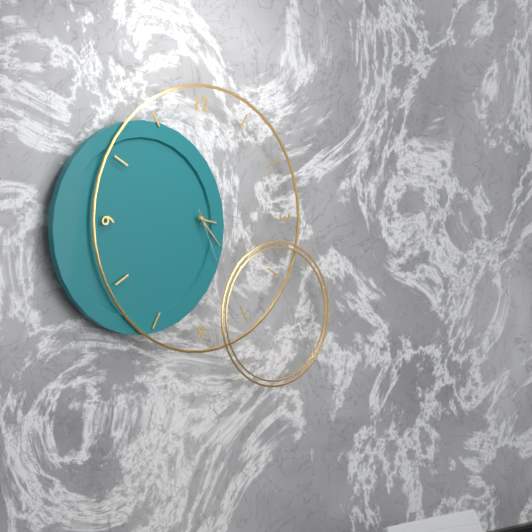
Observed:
{"hour": 3, "minute": 23, "second": 26}
